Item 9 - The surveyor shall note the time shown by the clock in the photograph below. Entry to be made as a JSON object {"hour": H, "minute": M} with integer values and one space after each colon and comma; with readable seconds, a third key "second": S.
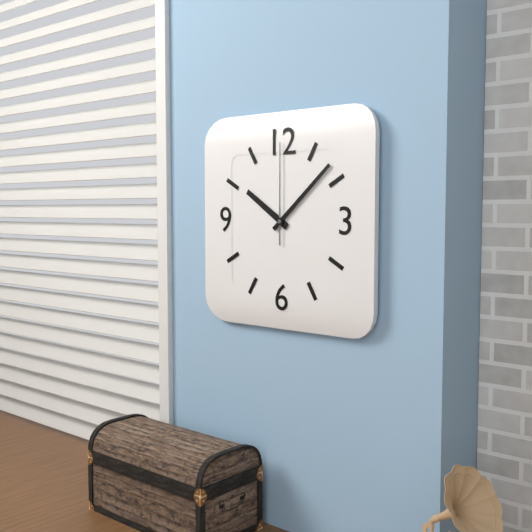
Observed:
{"hour": 10, "minute": 8, "second": 0}
